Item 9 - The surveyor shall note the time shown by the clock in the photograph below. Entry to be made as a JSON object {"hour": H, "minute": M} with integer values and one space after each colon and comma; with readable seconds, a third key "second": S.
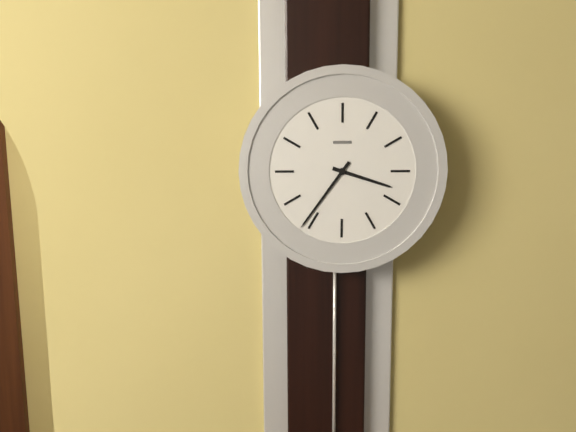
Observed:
{"hour": 3, "minute": 36}
